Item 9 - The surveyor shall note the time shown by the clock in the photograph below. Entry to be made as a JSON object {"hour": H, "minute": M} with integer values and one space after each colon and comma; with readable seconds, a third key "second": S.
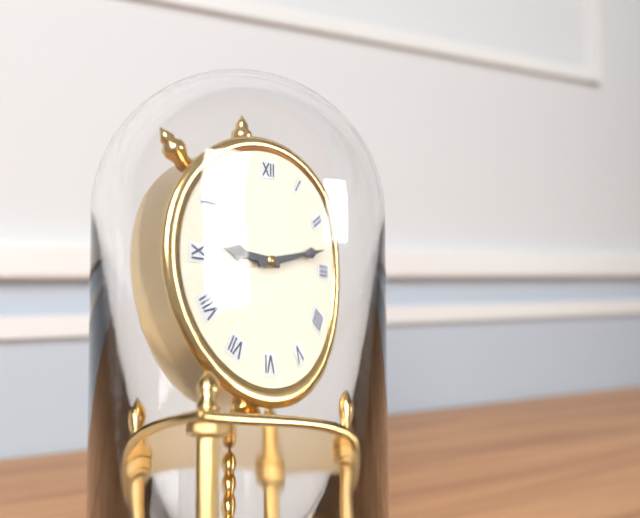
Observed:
{"hour": 9, "minute": 13}
